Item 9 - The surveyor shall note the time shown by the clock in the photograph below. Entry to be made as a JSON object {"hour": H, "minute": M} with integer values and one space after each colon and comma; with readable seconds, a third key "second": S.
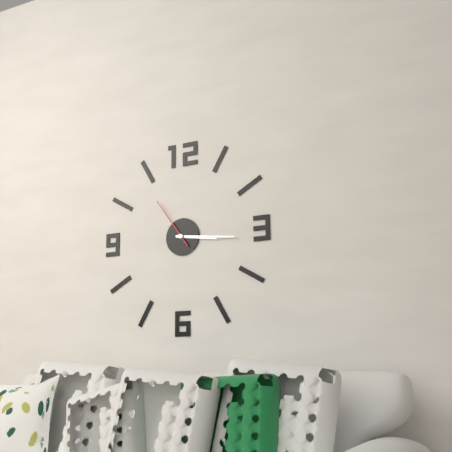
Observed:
{"hour": 3, "minute": 16, "second": 54}
